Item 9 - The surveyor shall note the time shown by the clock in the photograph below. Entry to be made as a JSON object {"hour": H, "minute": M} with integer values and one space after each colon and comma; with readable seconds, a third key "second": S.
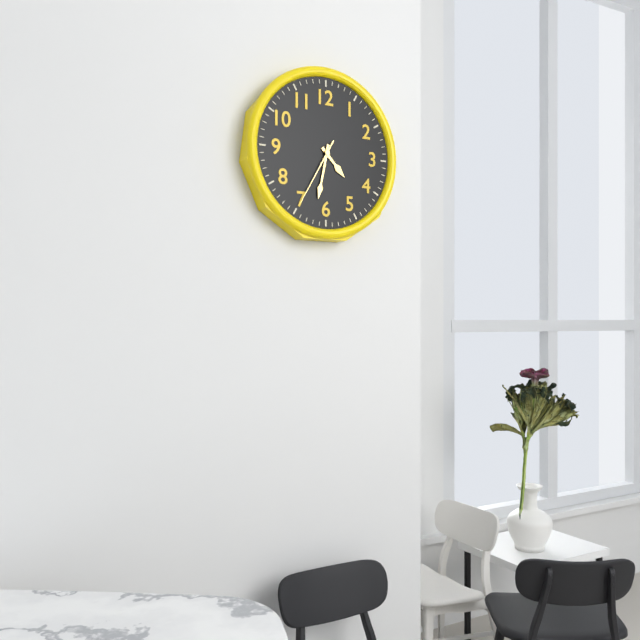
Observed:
{"hour": 4, "minute": 32, "second": 35}
